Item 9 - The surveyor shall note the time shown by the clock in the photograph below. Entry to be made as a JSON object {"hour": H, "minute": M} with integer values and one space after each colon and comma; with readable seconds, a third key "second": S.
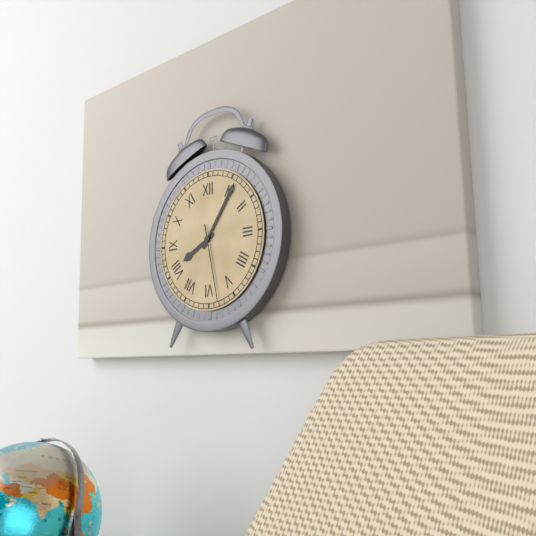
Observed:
{"hour": 8, "minute": 6, "second": 28}
